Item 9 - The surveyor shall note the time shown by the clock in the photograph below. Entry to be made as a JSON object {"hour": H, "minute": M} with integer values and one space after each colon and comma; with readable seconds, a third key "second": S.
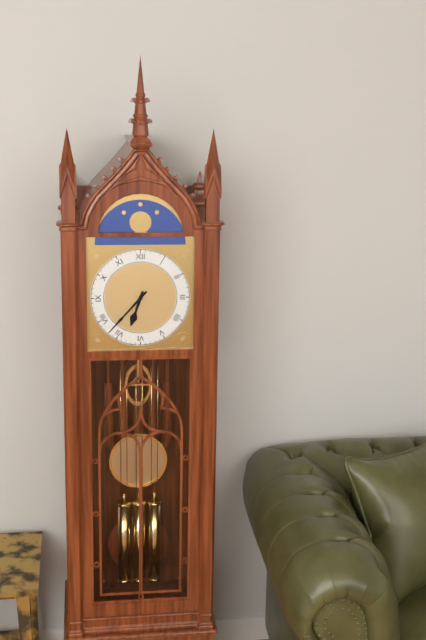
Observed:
{"hour": 6, "minute": 37}
